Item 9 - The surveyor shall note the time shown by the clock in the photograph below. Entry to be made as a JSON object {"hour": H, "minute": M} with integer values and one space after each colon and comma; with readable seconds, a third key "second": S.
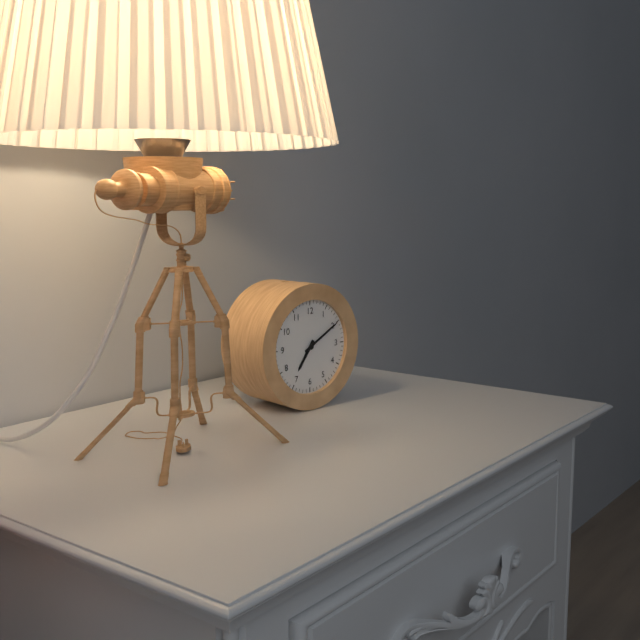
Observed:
{"hour": 7, "minute": 10}
